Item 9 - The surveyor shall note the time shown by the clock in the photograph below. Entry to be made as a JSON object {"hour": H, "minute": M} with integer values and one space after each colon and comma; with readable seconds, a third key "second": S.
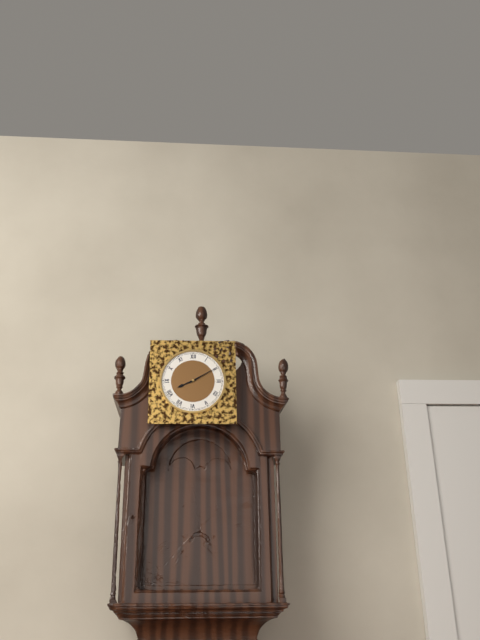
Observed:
{"hour": 8, "minute": 10}
